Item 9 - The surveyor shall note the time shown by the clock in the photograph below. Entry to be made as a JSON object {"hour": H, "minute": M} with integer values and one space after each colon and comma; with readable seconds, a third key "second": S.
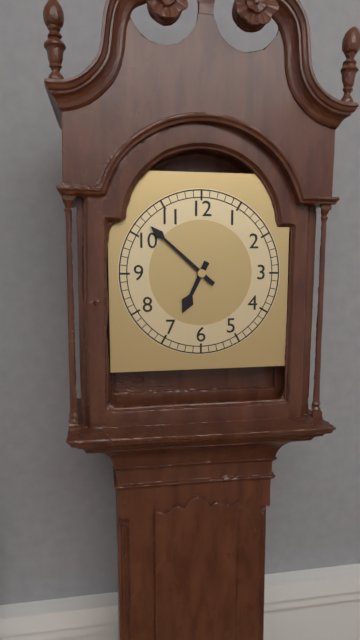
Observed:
{"hour": 6, "minute": 52}
